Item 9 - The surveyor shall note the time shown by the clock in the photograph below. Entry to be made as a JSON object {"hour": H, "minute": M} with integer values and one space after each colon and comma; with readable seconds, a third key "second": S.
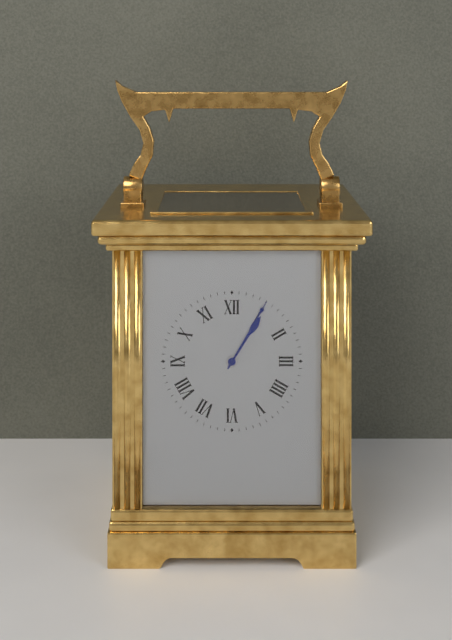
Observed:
{"hour": 1, "minute": 5}
